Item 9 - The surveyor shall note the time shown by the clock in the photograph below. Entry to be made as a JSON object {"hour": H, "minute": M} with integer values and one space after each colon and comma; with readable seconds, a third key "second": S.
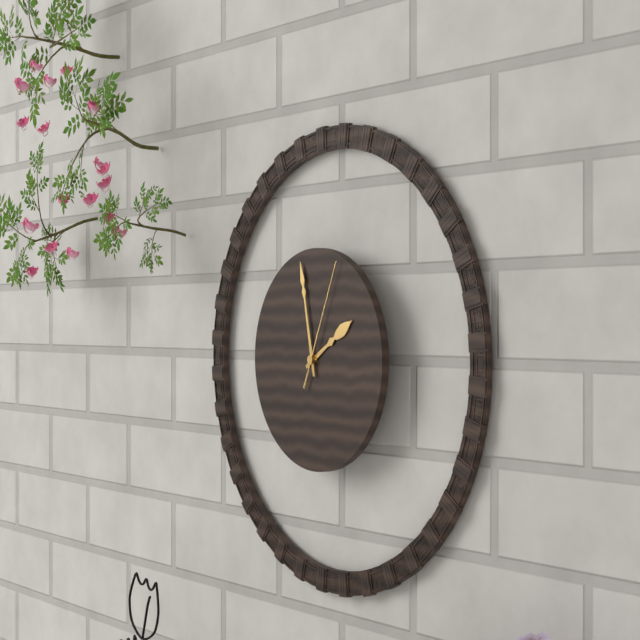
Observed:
{"hour": 1, "minute": 58, "second": 4}
